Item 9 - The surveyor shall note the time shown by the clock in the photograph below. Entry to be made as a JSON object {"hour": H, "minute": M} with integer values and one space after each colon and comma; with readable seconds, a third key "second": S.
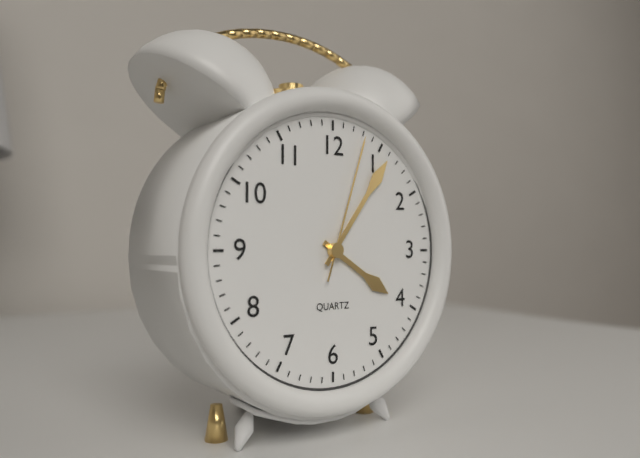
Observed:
{"hour": 4, "minute": 6, "second": 3}
